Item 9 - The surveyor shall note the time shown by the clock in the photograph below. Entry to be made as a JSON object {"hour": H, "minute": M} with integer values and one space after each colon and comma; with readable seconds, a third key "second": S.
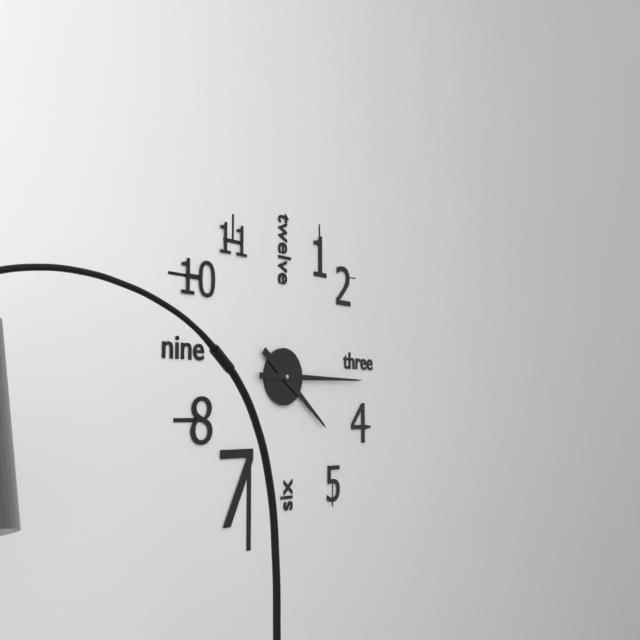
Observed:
{"hour": 4, "minute": 15}
